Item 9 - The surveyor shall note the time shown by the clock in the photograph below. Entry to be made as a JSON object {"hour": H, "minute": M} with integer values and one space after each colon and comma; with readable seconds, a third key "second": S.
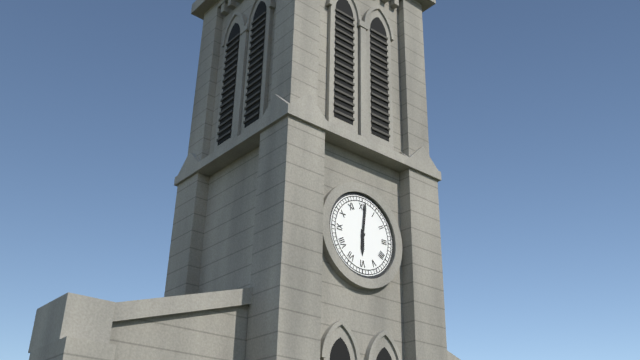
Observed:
{"hour": 6, "minute": 1}
